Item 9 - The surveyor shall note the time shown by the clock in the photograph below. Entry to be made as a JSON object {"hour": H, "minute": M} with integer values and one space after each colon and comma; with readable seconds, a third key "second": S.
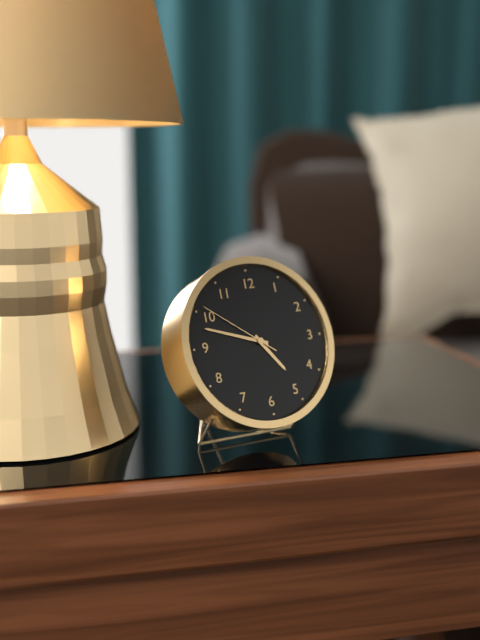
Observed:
{"hour": 4, "minute": 48, "second": 51}
